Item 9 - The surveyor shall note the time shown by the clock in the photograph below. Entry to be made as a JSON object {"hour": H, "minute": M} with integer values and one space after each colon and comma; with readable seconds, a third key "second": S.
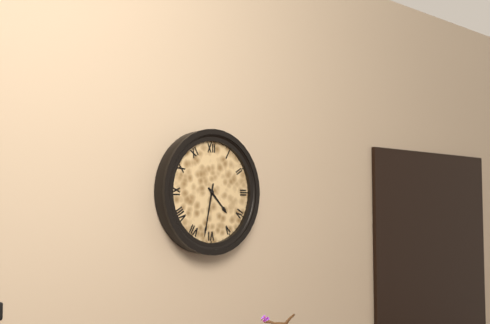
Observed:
{"hour": 4, "minute": 32}
